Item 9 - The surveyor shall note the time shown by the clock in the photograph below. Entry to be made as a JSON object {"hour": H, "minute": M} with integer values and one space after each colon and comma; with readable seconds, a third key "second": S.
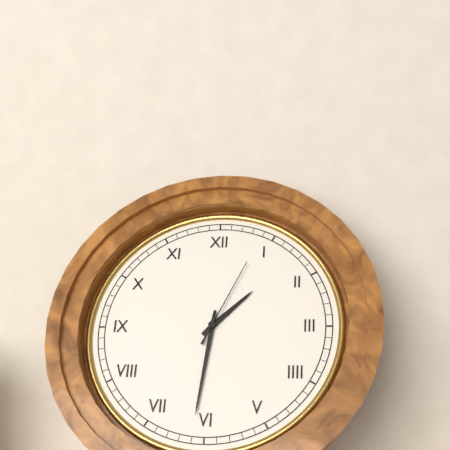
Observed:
{"hour": 1, "minute": 31, "second": 4}
